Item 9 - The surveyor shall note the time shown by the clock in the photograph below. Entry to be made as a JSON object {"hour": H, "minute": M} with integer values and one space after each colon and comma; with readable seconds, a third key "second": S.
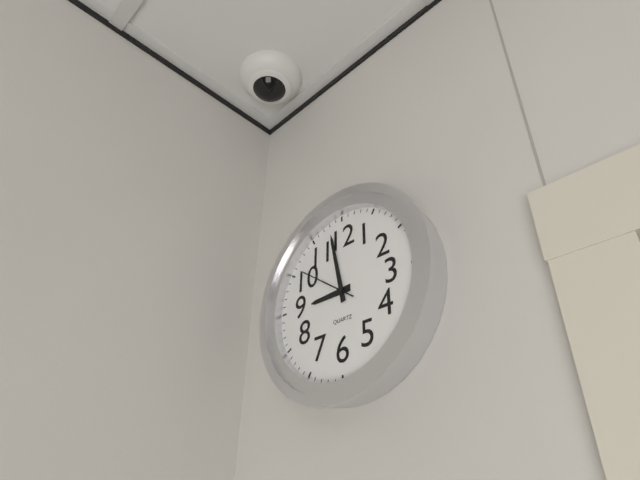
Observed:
{"hour": 8, "minute": 58, "second": 51}
